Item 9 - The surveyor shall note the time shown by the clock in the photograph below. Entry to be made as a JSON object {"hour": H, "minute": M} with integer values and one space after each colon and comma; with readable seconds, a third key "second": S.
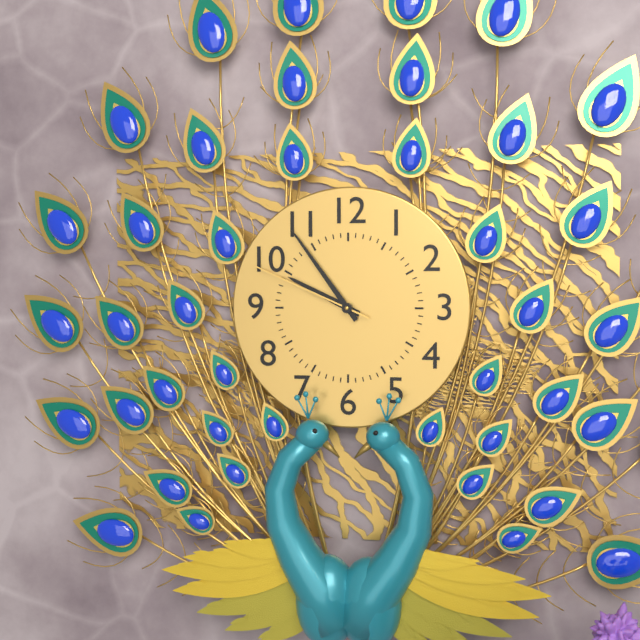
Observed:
{"hour": 9, "minute": 54, "second": 49}
